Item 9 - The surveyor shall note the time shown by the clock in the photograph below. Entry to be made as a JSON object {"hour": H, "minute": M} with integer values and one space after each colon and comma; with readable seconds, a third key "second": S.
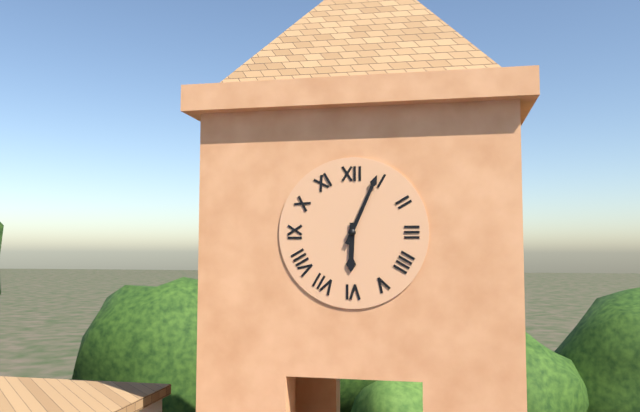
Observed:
{"hour": 6, "minute": 4}
